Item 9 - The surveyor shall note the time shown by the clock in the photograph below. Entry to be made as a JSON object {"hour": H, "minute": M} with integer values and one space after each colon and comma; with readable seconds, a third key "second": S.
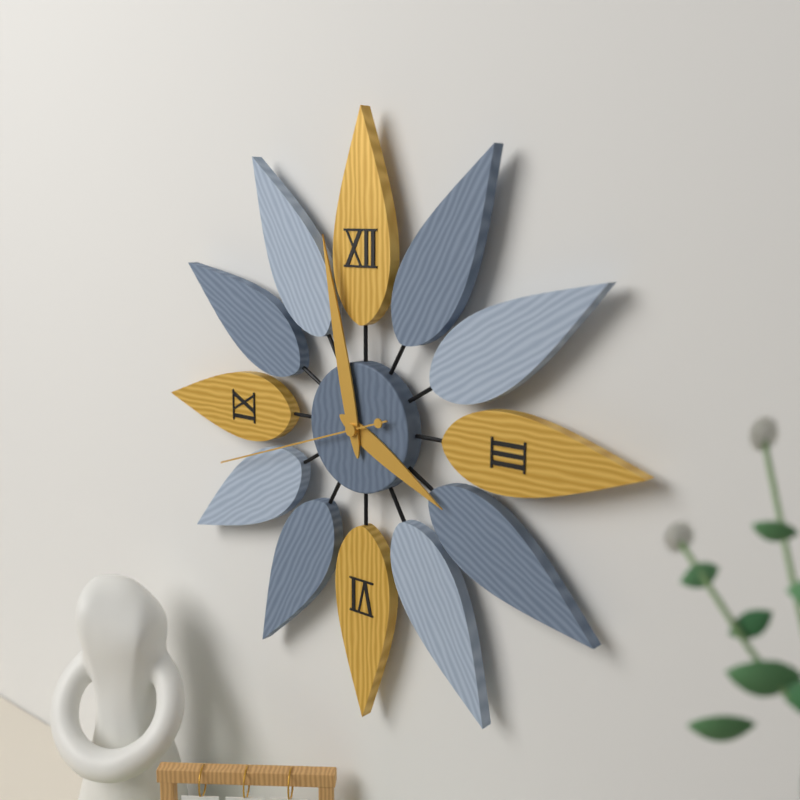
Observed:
{"hour": 3, "minute": 58, "second": 42}
